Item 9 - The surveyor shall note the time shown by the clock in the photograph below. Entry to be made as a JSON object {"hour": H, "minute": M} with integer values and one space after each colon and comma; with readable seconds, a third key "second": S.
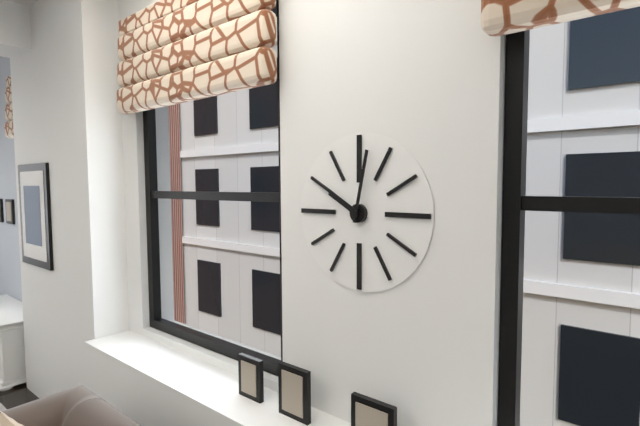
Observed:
{"hour": 10, "minute": 2}
